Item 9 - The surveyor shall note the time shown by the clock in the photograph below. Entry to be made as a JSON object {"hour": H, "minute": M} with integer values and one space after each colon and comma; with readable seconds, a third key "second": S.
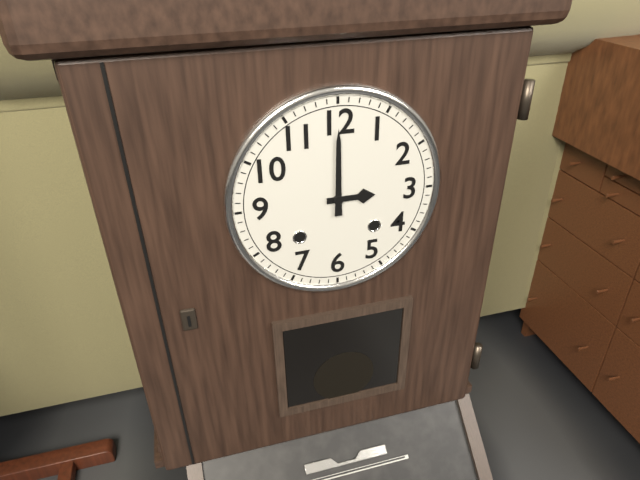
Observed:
{"hour": 3, "minute": 0}
